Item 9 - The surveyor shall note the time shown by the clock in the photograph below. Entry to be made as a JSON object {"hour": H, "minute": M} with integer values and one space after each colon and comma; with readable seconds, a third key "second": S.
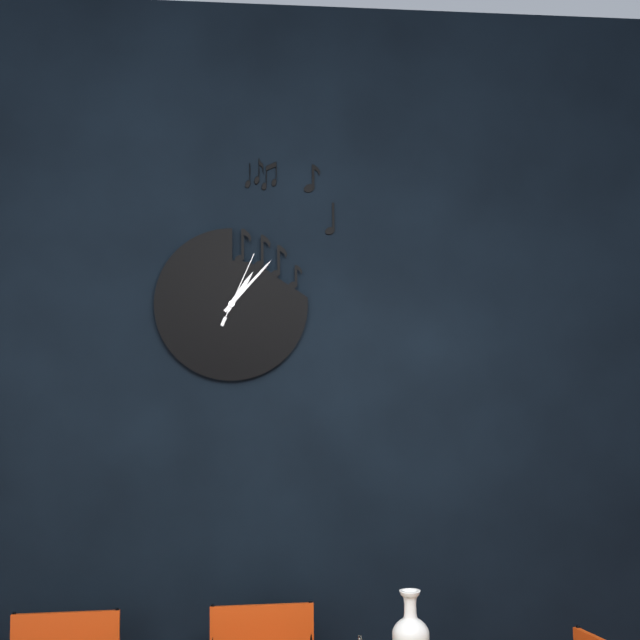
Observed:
{"hour": 1, "minute": 7, "second": 4}
